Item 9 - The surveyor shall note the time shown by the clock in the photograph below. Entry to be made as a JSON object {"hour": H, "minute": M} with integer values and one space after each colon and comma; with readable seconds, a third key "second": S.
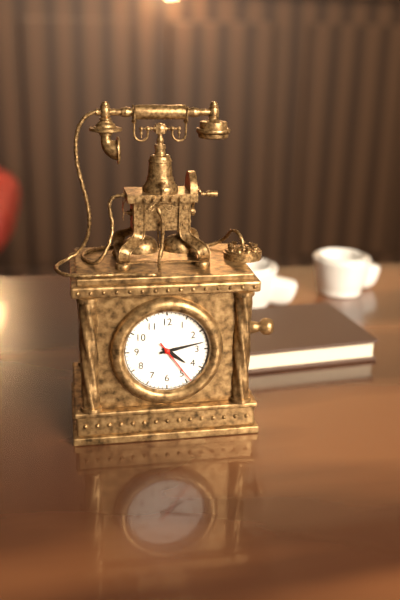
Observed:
{"hour": 4, "minute": 13}
